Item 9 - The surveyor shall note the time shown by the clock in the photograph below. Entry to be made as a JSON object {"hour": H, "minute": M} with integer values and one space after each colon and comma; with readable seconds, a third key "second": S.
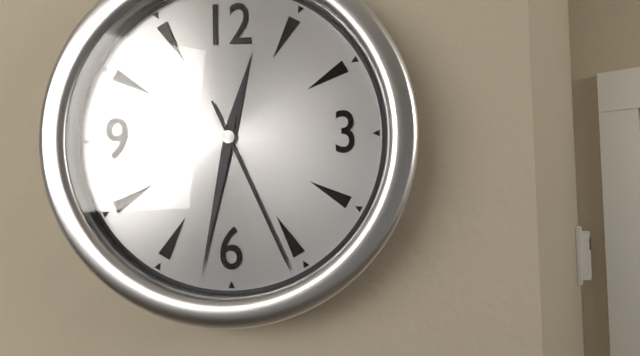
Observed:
{"hour": 12, "minute": 32, "second": 26}
